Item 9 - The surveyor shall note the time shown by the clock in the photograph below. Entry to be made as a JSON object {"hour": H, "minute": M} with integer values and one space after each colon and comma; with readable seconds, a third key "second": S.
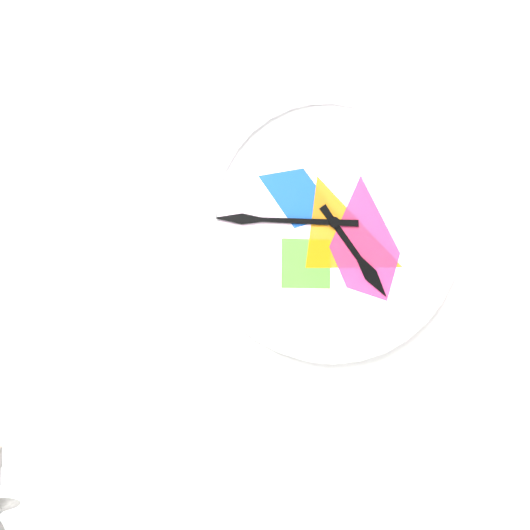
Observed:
{"hour": 4, "minute": 45}
